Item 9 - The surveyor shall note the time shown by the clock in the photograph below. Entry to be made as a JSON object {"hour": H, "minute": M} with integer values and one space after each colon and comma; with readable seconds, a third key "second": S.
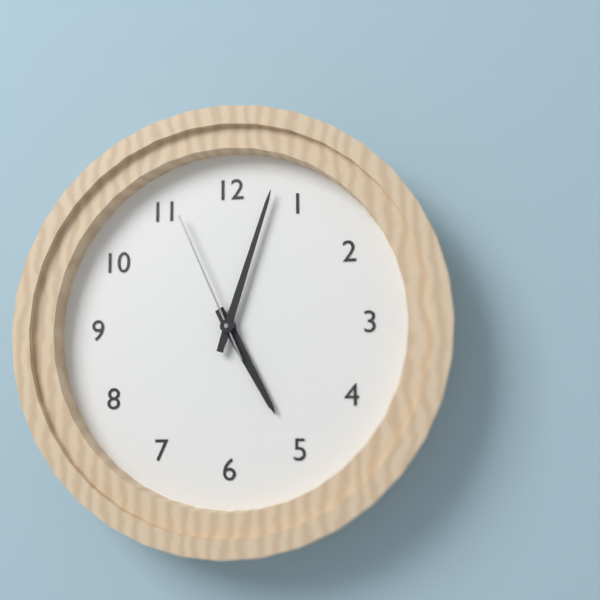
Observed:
{"hour": 5, "minute": 3, "second": 56}
